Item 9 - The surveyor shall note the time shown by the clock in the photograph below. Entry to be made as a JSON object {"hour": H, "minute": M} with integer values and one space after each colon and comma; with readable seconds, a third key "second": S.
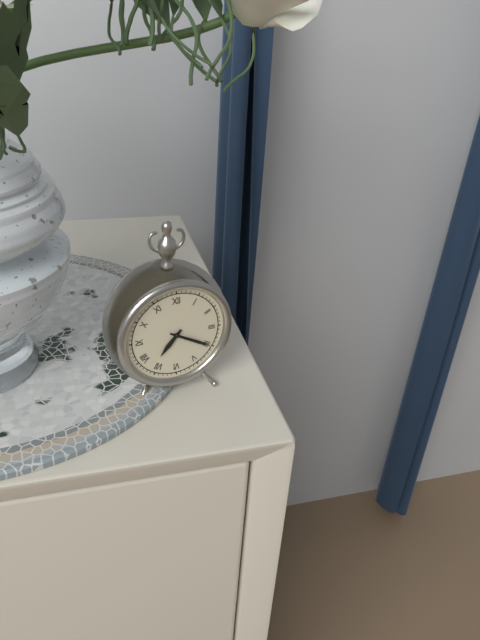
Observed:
{"hour": 7, "minute": 20}
